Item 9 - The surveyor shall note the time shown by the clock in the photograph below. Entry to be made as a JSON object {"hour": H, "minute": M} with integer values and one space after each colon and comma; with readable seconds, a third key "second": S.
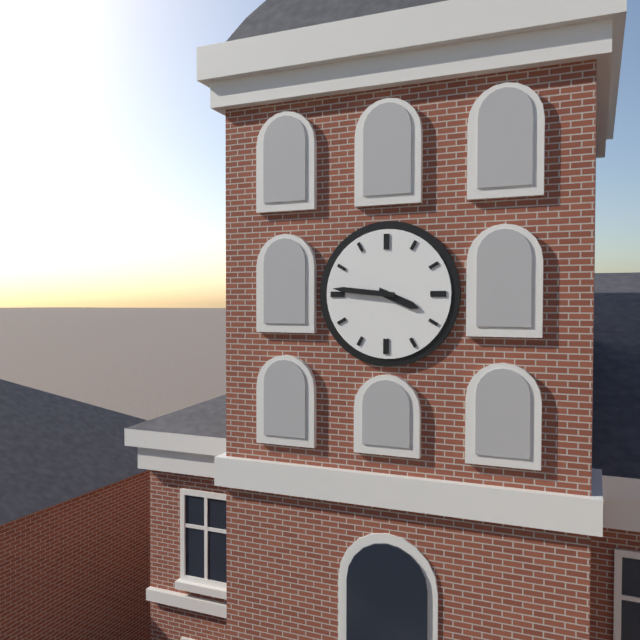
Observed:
{"hour": 3, "minute": 46}
